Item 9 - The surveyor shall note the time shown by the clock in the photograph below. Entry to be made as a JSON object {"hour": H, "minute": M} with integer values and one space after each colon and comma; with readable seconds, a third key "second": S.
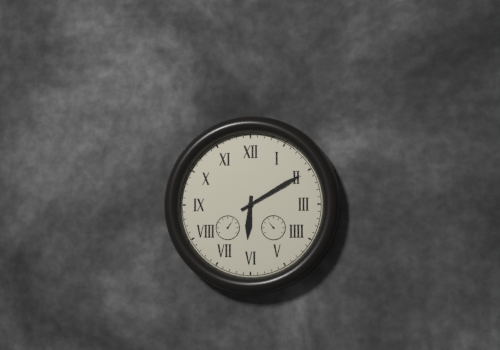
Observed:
{"hour": 6, "minute": 10}
